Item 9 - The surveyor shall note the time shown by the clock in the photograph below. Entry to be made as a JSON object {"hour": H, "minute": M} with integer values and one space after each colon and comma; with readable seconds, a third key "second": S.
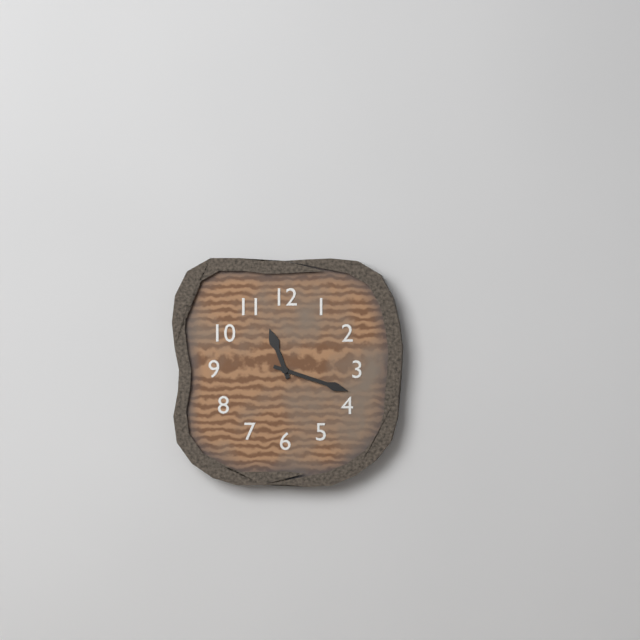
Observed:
{"hour": 11, "minute": 18}
